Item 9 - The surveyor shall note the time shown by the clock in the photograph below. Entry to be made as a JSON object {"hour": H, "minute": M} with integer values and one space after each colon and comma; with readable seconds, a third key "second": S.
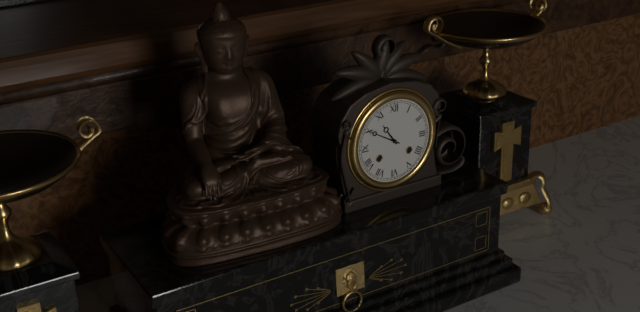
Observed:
{"hour": 10, "minute": 50}
